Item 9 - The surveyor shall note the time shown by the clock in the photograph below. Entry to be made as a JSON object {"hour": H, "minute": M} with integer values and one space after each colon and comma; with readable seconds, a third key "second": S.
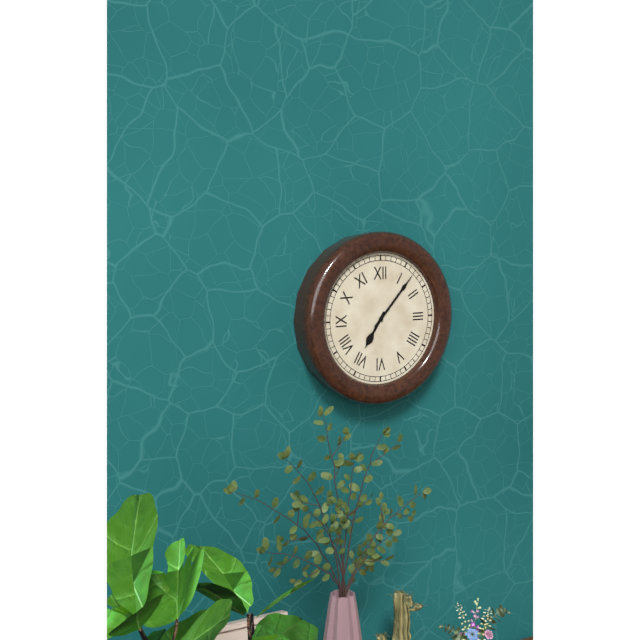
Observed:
{"hour": 7, "minute": 7}
